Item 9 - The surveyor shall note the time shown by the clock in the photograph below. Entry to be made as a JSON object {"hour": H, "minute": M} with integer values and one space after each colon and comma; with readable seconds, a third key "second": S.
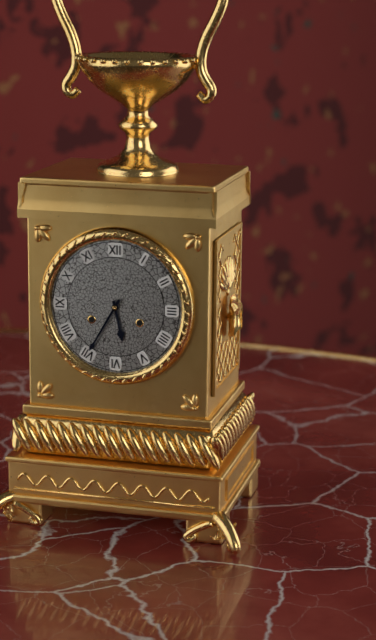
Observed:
{"hour": 5, "minute": 35}
